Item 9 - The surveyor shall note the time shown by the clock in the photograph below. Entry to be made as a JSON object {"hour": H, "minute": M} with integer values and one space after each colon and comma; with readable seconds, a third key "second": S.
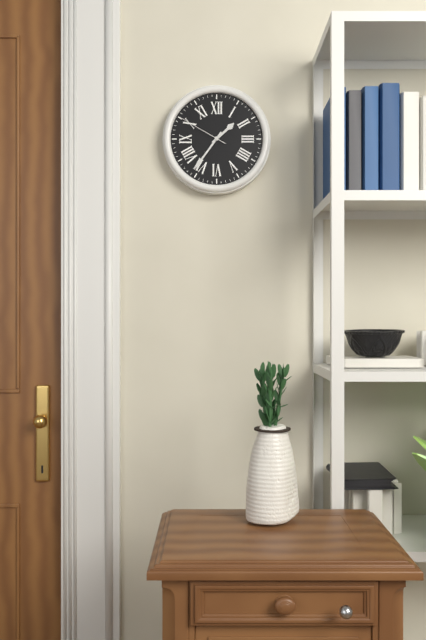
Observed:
{"hour": 1, "minute": 36, "second": 50}
